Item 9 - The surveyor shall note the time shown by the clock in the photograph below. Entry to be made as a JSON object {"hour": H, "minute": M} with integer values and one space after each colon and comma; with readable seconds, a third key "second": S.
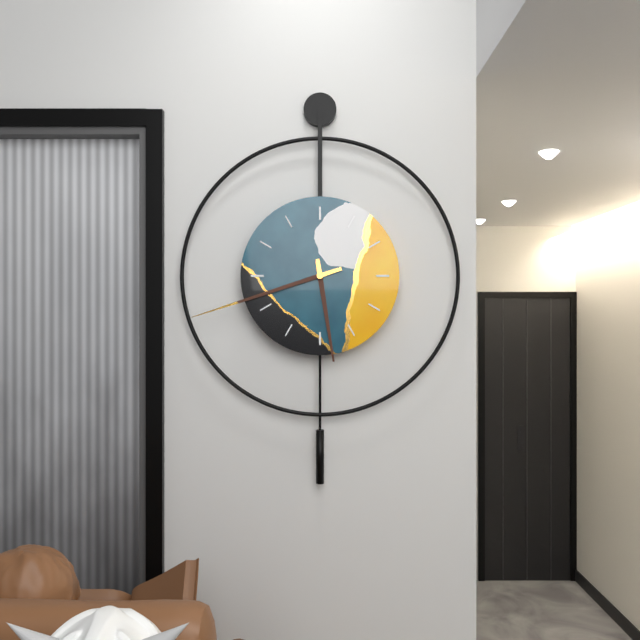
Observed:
{"hour": 5, "minute": 42}
